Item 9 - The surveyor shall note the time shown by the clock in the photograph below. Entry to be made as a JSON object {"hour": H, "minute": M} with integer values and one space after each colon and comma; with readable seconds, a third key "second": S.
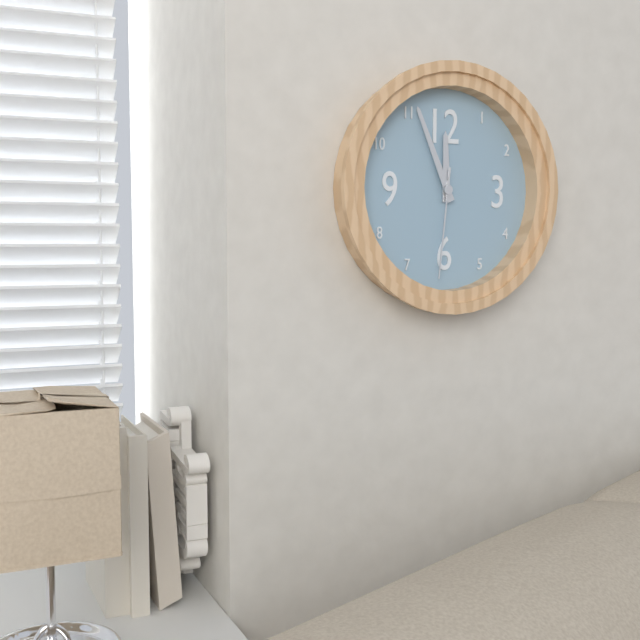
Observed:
{"hour": 11, "minute": 56, "second": 31}
